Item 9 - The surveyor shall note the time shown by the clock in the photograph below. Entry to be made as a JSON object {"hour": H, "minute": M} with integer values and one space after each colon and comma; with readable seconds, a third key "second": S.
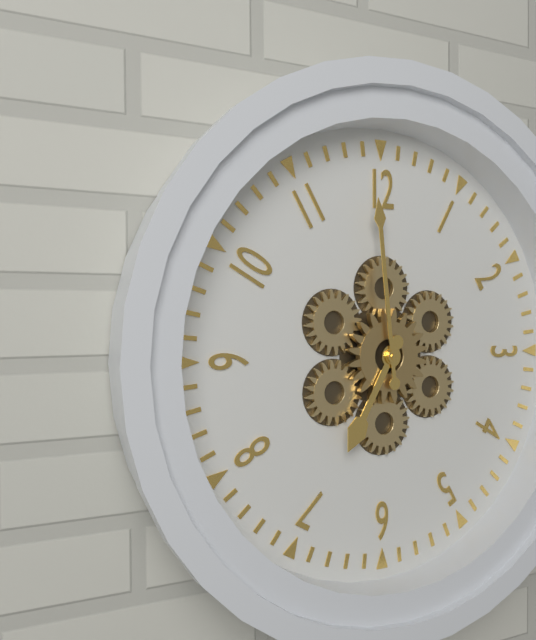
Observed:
{"hour": 6, "minute": 59}
